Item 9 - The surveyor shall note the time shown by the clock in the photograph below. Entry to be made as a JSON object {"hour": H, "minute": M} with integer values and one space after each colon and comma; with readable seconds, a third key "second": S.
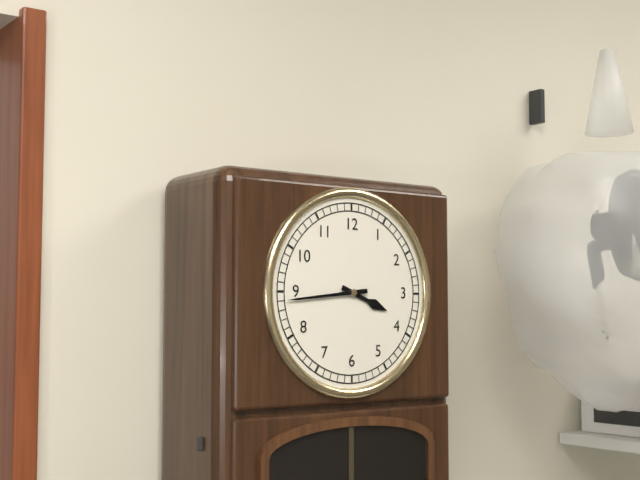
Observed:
{"hour": 3, "minute": 44}
